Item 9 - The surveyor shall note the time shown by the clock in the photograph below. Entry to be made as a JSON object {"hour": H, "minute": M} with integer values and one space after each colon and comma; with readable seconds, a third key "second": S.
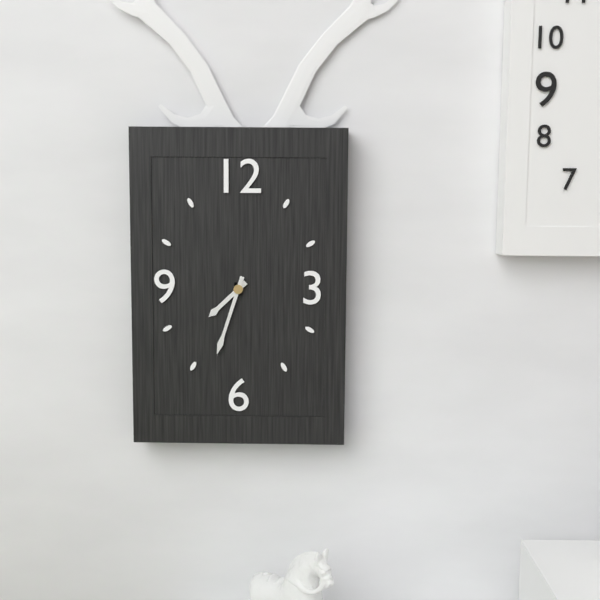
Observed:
{"hour": 7, "minute": 33}
